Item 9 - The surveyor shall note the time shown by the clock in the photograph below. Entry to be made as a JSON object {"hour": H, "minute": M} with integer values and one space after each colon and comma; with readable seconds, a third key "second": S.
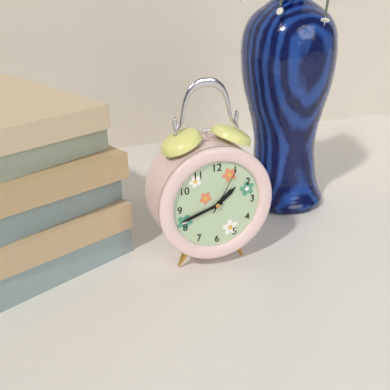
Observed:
{"hour": 1, "minute": 42, "second": 5}
